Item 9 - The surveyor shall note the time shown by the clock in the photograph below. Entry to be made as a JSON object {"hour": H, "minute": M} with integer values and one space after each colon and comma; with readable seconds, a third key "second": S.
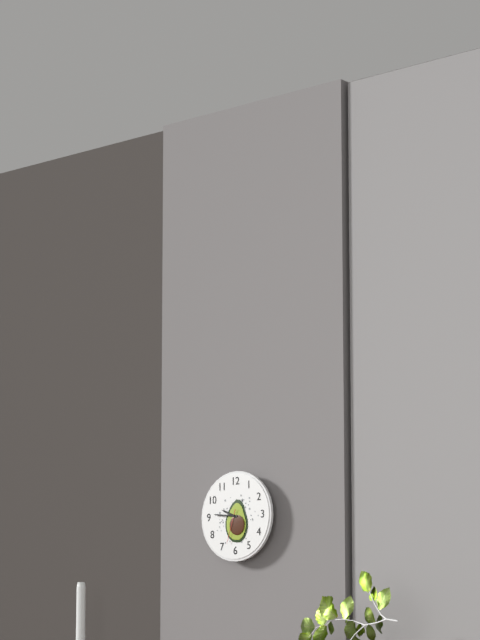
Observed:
{"hour": 9, "minute": 46}
